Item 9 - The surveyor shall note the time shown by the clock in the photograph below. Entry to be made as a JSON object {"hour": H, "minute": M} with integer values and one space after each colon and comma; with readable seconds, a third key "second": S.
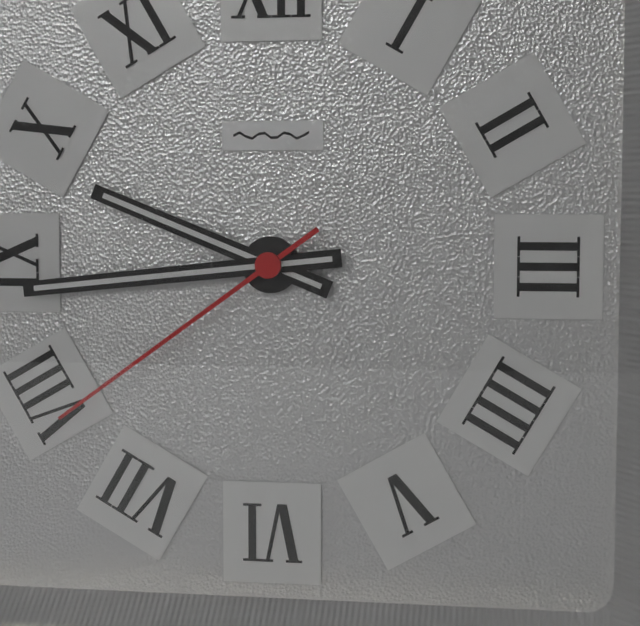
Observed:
{"hour": 9, "minute": 44, "second": 39}
